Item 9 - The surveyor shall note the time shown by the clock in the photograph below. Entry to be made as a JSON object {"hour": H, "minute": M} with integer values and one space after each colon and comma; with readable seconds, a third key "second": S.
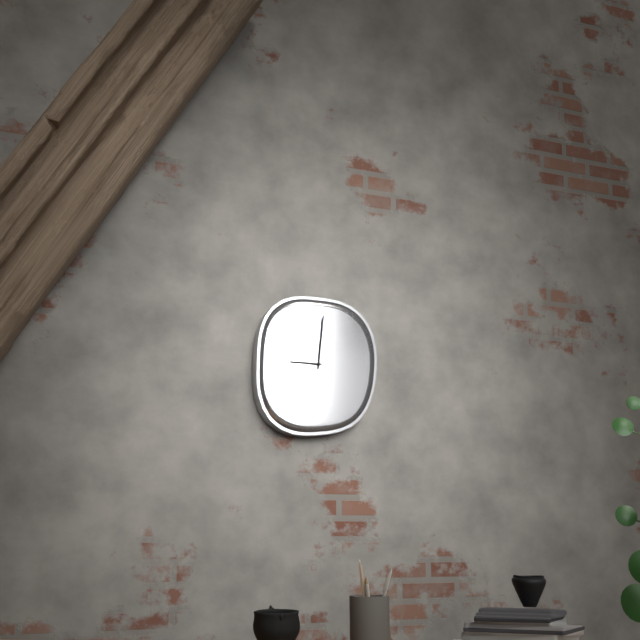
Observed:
{"hour": 9, "minute": 1}
